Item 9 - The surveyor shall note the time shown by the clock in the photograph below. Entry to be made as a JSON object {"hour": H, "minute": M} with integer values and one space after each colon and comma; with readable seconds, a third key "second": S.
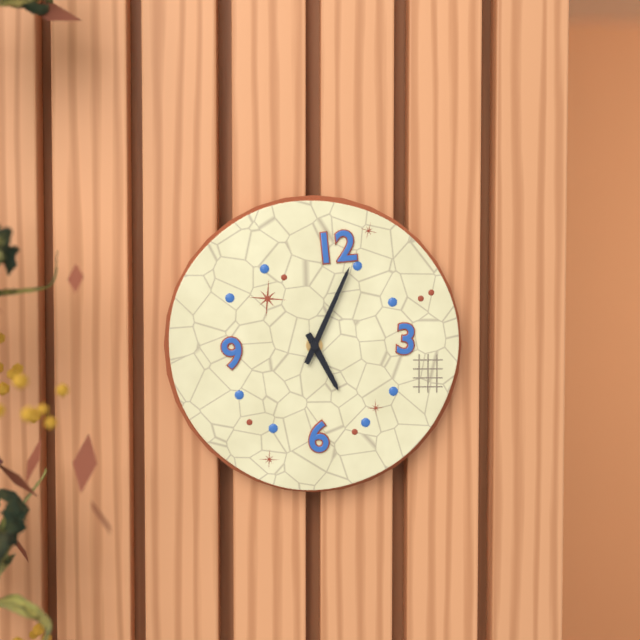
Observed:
{"hour": 5, "minute": 4}
